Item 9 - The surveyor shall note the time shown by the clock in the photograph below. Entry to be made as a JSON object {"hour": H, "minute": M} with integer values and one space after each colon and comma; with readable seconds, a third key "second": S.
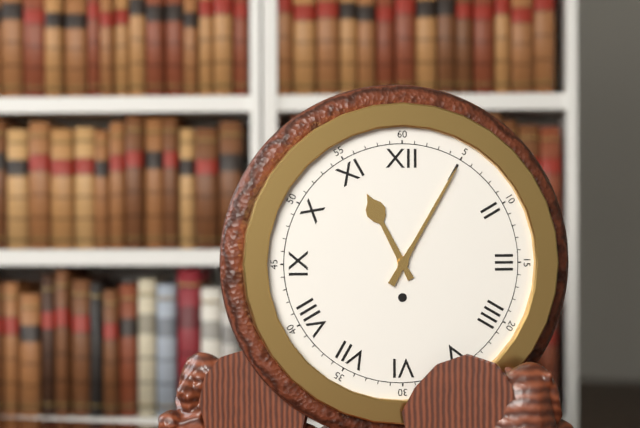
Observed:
{"hour": 11, "minute": 5}
